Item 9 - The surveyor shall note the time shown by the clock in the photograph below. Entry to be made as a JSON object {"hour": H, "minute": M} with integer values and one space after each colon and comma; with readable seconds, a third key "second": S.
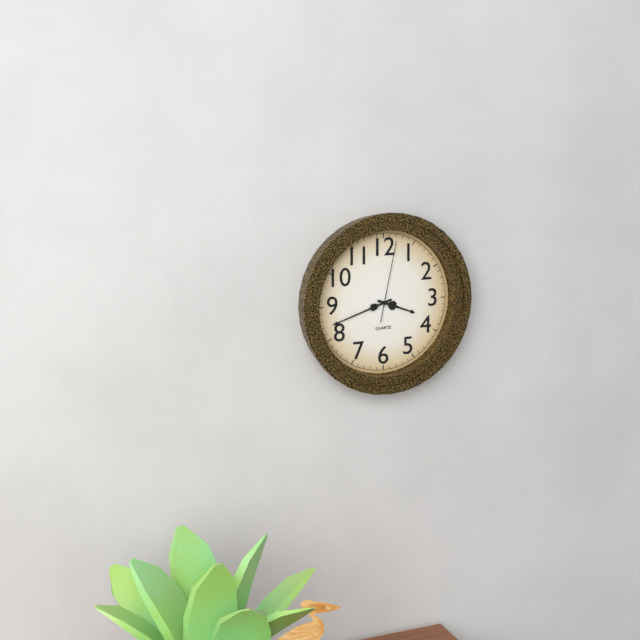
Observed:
{"hour": 3, "minute": 42, "second": 2}
